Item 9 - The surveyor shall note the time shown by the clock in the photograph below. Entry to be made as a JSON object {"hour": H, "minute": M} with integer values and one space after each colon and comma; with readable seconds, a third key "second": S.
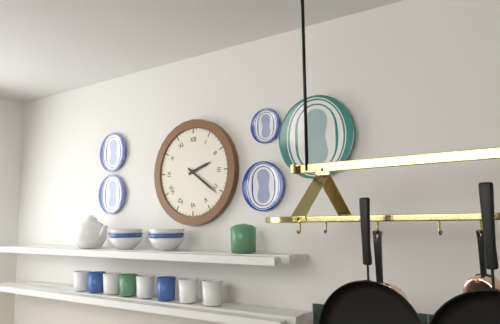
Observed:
{"hour": 2, "minute": 21}
